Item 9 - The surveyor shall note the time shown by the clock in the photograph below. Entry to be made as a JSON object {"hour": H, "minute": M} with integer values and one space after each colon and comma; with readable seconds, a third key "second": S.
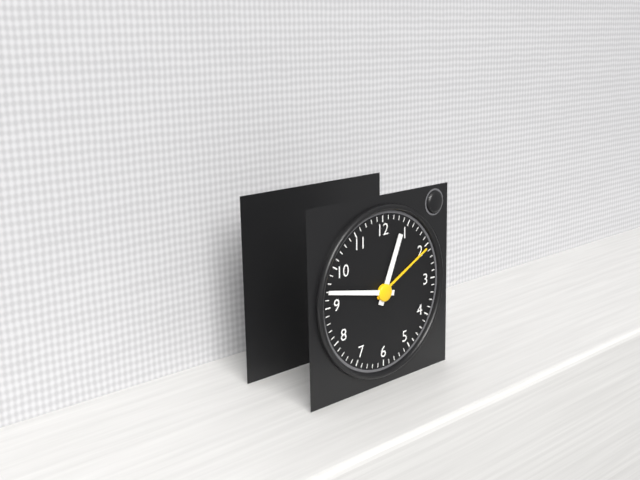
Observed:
{"hour": 12, "minute": 47}
